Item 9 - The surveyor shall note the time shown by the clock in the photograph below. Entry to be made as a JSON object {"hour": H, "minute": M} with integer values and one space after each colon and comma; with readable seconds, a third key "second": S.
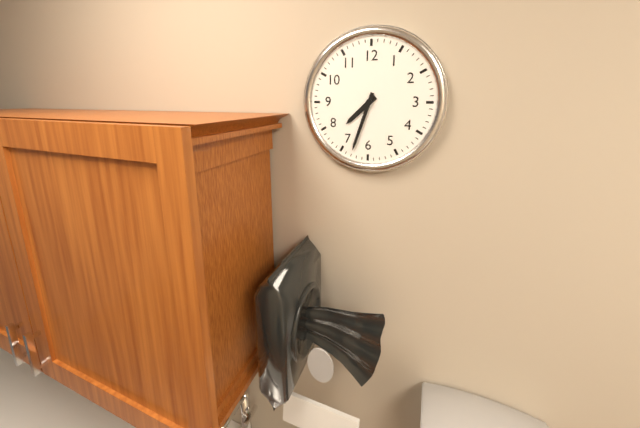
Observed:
{"hour": 7, "minute": 33}
